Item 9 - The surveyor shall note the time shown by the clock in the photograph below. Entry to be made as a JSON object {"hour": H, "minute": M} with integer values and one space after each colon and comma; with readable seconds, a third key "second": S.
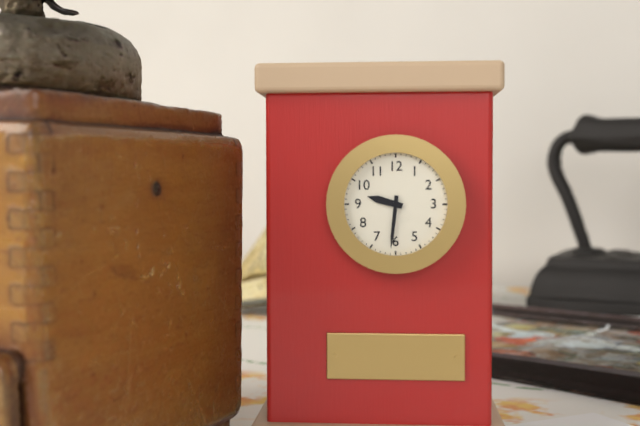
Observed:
{"hour": 9, "minute": 31}
